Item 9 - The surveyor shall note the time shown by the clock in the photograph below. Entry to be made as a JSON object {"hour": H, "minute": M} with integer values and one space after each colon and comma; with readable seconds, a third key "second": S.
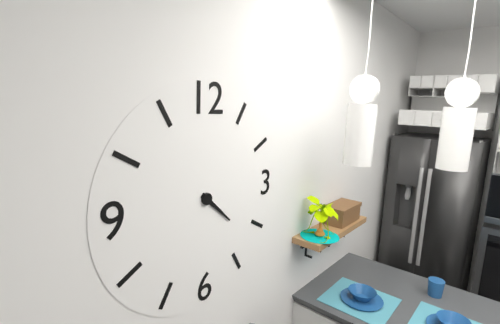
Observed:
{"hour": 4, "minute": 22}
